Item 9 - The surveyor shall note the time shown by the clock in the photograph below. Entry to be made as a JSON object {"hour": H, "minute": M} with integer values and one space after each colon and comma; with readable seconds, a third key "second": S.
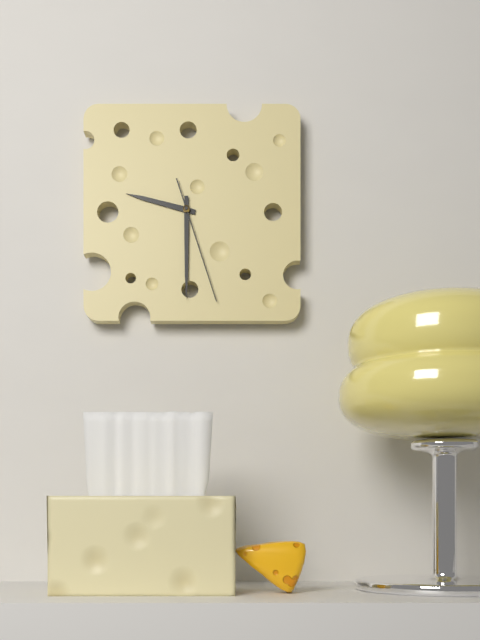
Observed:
{"hour": 9, "minute": 30, "second": 27}
